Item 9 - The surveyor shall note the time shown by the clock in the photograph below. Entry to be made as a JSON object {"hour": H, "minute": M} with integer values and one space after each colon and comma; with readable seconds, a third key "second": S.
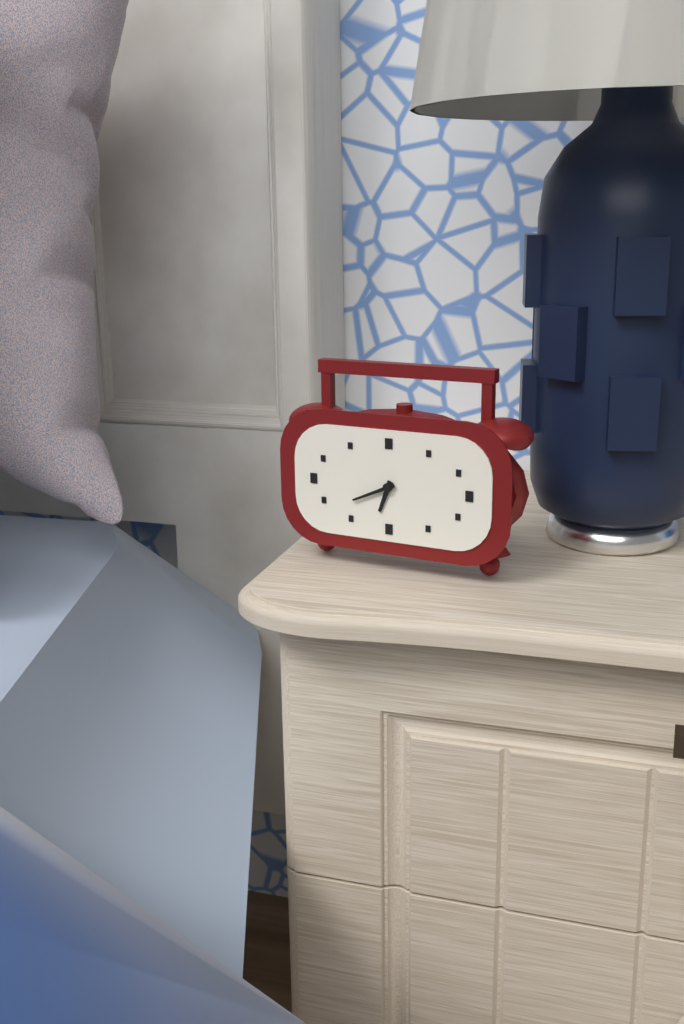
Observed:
{"hour": 6, "minute": 41}
